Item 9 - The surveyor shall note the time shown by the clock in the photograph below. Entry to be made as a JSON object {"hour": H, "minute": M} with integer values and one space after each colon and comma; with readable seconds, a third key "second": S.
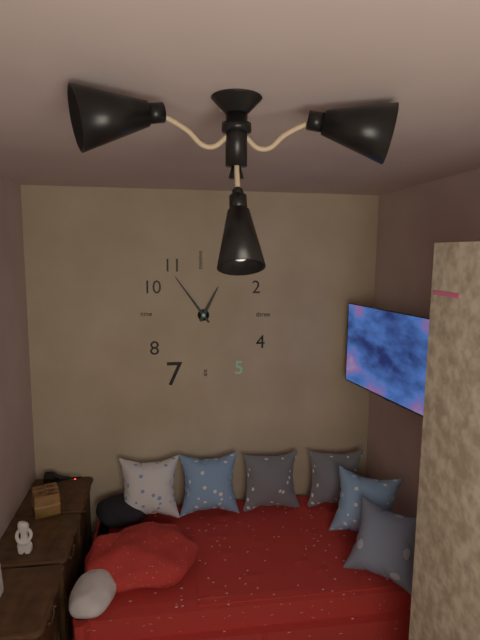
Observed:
{"hour": 12, "minute": 54}
